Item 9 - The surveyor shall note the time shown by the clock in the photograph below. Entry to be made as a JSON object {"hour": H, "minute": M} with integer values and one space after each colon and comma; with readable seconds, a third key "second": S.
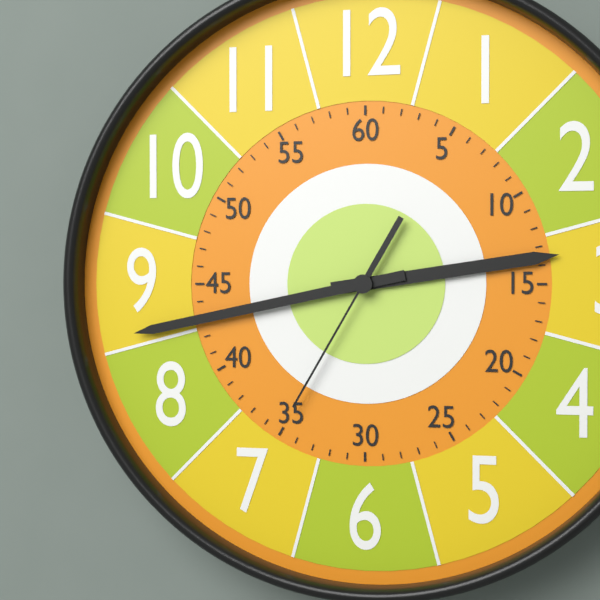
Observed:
{"hour": 2, "minute": 43, "second": 35}
